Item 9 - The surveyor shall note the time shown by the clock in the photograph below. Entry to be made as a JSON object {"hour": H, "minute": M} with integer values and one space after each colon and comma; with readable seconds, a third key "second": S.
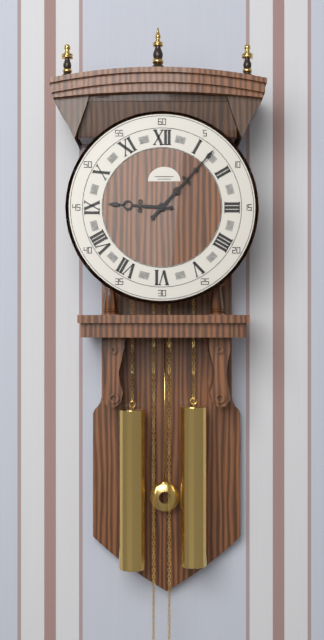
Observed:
{"hour": 9, "minute": 7}
